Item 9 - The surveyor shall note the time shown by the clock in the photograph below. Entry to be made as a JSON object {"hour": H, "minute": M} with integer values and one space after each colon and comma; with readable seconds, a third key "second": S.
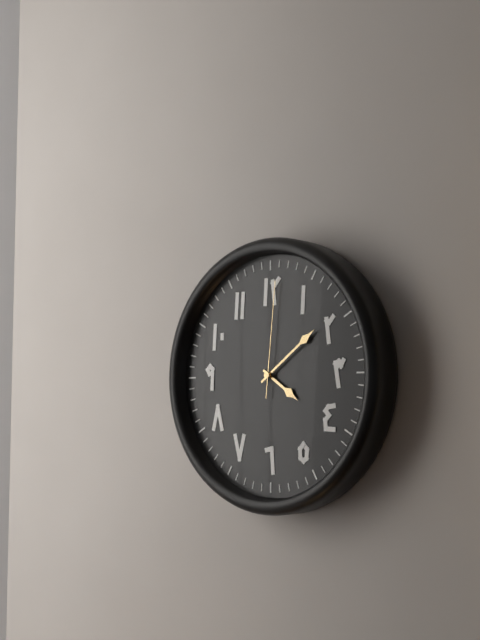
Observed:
{"hour": 4, "minute": 9, "second": 1}
